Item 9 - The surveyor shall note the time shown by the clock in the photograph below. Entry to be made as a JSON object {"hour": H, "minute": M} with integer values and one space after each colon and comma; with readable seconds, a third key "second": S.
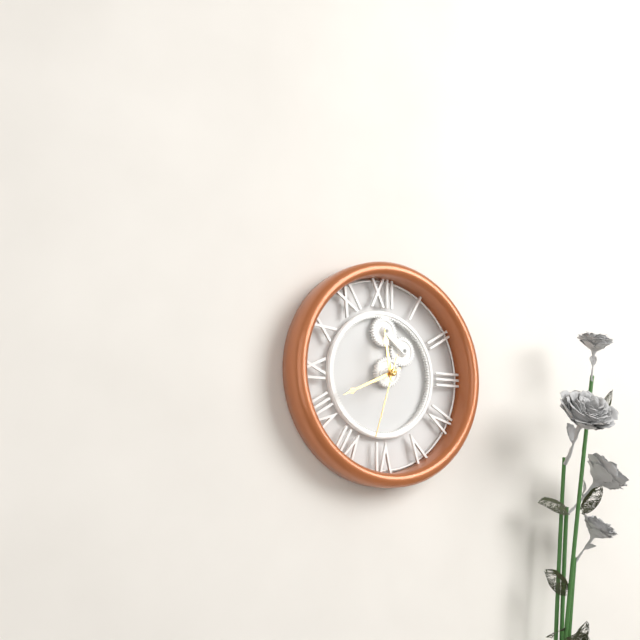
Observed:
{"hour": 11, "minute": 41, "second": 33}
